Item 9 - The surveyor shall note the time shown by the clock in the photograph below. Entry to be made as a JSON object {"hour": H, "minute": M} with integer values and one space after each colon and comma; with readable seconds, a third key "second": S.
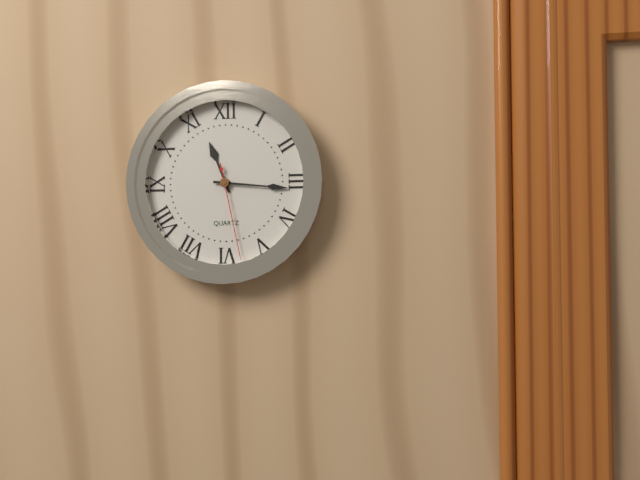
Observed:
{"hour": 11, "minute": 16, "second": 28}
